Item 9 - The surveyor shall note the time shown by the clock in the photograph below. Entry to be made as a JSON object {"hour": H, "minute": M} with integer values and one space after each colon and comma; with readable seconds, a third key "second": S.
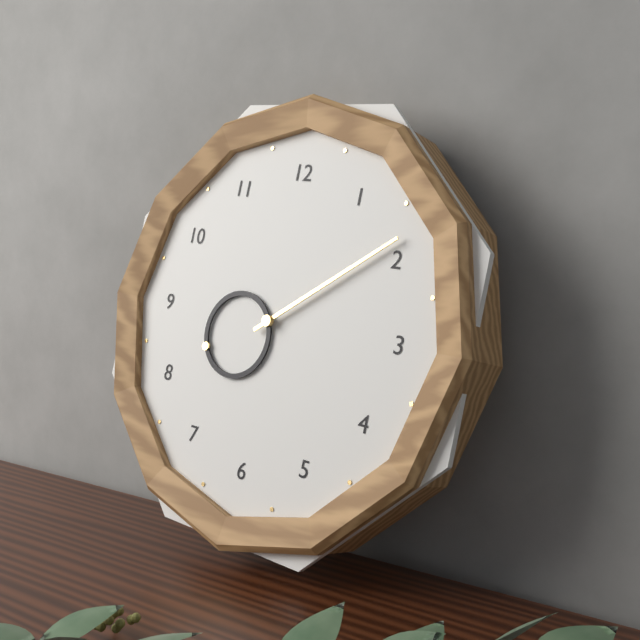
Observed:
{"hour": 8, "minute": 9}
